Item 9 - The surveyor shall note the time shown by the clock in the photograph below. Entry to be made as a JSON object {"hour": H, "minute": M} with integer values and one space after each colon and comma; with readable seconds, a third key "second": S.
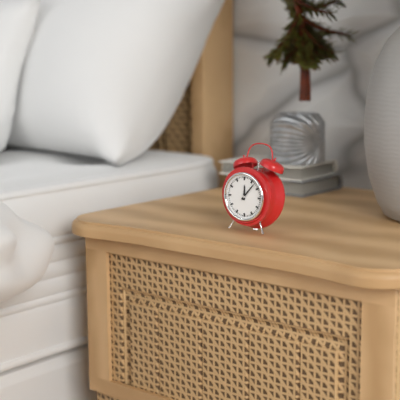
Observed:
{"hour": 12, "minute": 7}
